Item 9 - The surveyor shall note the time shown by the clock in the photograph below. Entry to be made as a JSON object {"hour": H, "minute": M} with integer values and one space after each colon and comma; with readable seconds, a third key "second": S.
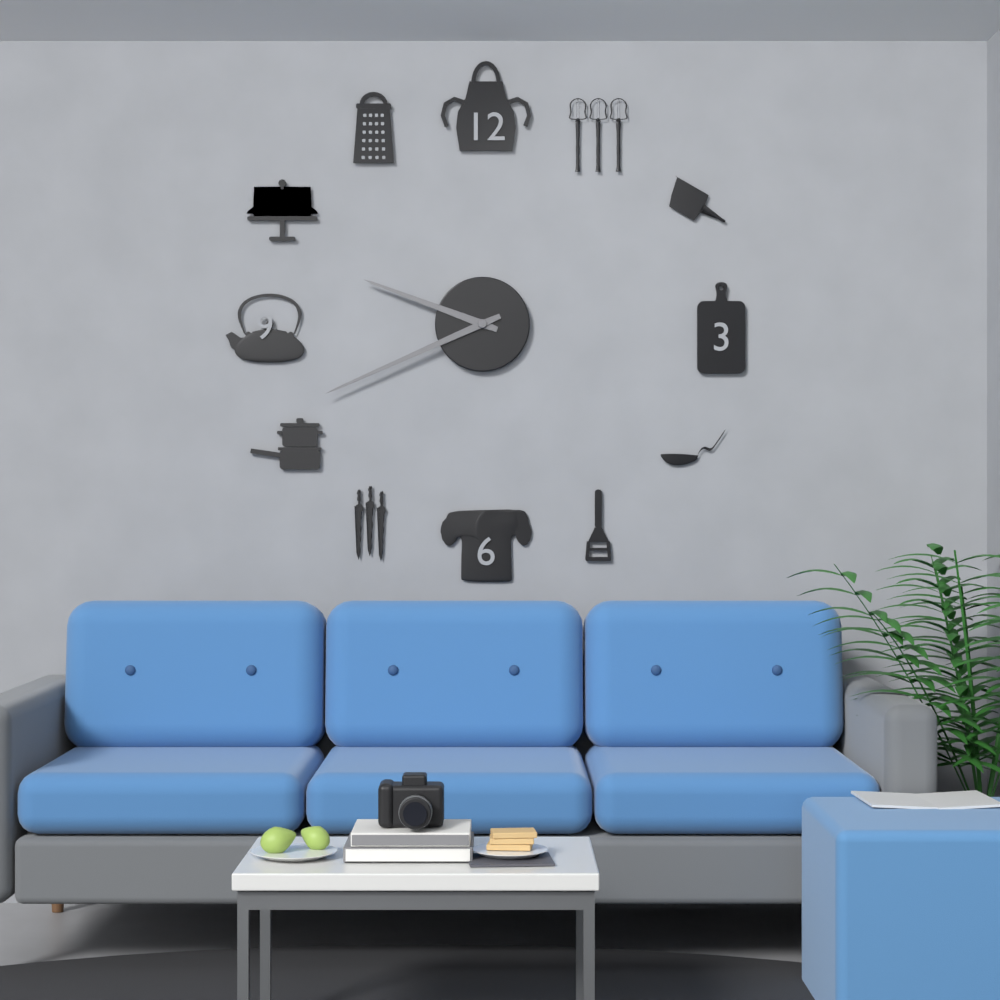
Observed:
{"hour": 9, "minute": 41}
